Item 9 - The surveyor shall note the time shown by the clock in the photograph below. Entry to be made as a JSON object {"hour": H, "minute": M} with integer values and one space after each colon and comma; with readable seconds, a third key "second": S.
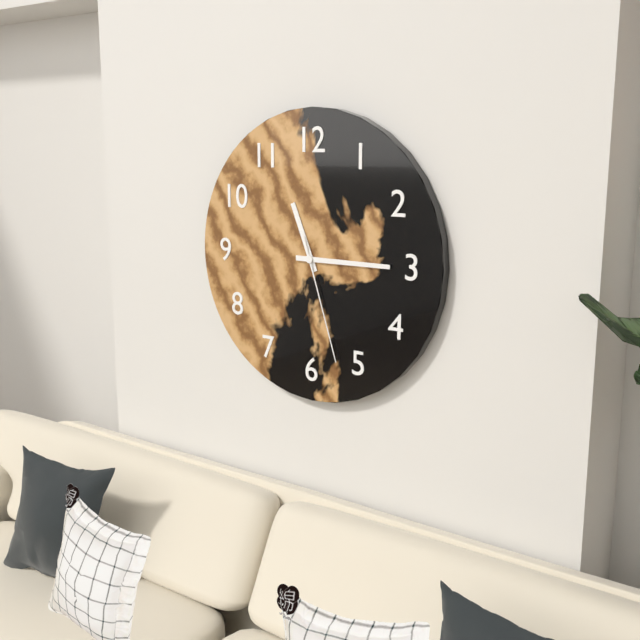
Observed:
{"hour": 11, "minute": 15, "second": 27}
